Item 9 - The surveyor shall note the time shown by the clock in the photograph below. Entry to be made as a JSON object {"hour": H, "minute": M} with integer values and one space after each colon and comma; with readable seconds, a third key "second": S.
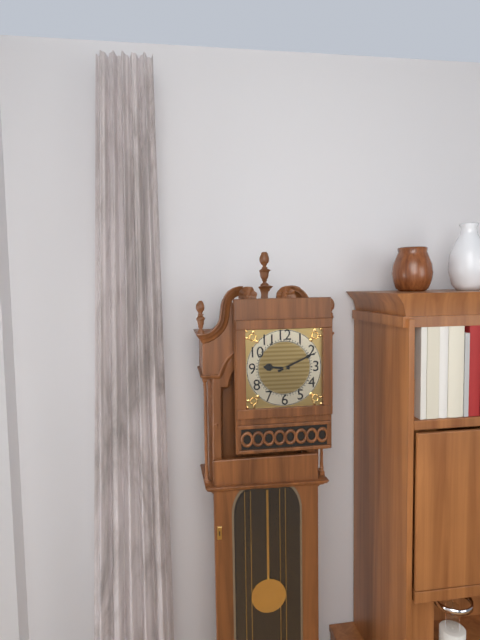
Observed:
{"hour": 9, "minute": 11}
